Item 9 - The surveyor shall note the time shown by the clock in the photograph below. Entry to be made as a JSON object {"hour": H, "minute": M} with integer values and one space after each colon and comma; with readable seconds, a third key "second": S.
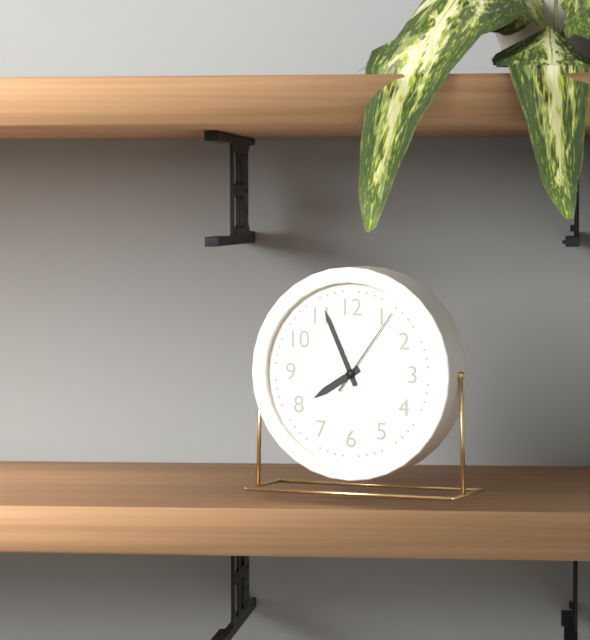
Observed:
{"hour": 7, "minute": 56, "second": 6}
